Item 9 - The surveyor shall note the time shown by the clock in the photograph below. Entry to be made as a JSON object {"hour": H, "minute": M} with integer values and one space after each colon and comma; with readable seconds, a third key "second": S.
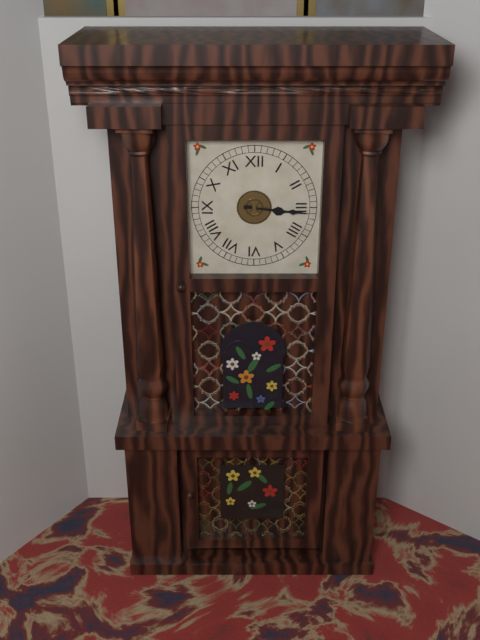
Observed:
{"hour": 3, "minute": 16}
